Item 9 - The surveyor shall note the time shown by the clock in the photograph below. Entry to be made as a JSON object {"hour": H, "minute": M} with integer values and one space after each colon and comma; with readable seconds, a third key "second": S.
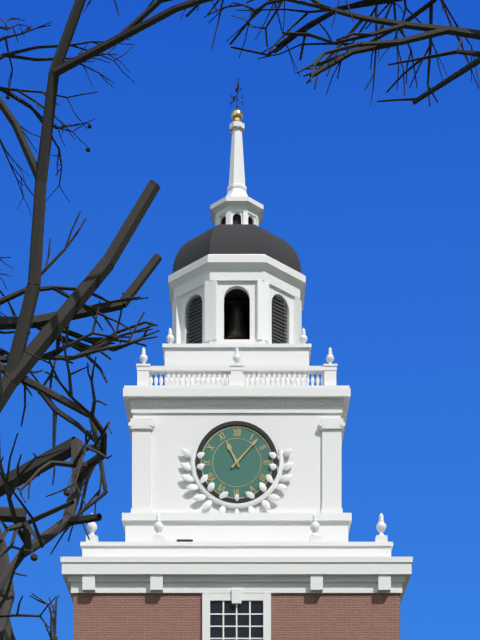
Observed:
{"hour": 11, "minute": 7}
